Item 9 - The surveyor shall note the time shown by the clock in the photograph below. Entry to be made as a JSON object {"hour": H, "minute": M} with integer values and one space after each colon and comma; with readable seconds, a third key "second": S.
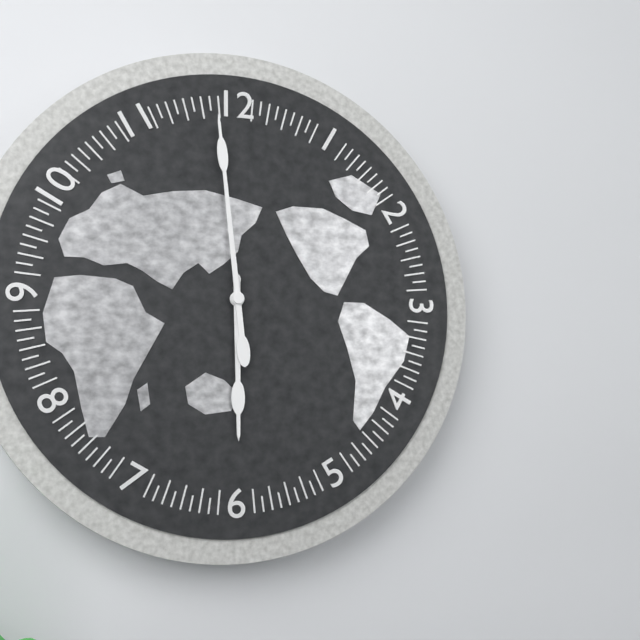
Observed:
{"hour": 5, "minute": 59}
